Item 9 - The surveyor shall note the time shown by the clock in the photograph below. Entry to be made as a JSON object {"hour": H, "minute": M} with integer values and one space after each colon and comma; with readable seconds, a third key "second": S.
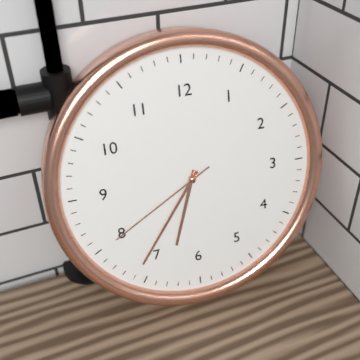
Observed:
{"hour": 6, "minute": 36, "second": 40}
